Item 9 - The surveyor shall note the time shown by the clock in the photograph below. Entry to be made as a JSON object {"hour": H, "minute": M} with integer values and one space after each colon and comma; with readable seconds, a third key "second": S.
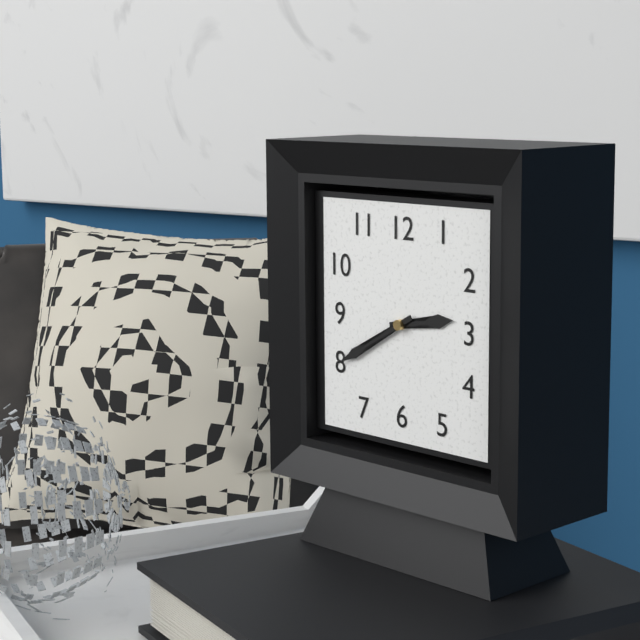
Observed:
{"hour": 2, "minute": 40}
